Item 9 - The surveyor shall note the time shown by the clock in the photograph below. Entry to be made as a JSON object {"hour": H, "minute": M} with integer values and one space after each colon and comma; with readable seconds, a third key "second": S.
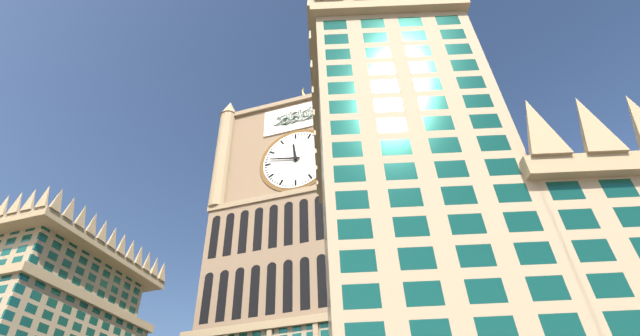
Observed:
{"hour": 11, "minute": 47}
